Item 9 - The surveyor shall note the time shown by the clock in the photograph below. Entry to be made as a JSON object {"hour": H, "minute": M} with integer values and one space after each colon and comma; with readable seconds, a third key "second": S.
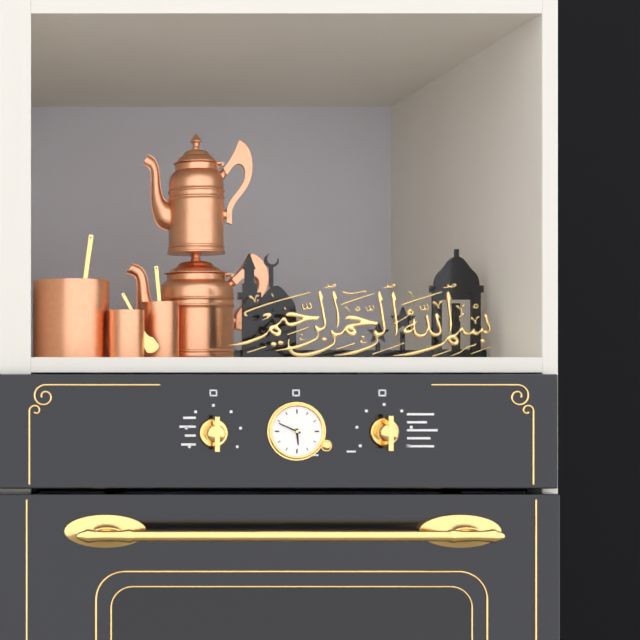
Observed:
{"hour": 5, "minute": 49}
